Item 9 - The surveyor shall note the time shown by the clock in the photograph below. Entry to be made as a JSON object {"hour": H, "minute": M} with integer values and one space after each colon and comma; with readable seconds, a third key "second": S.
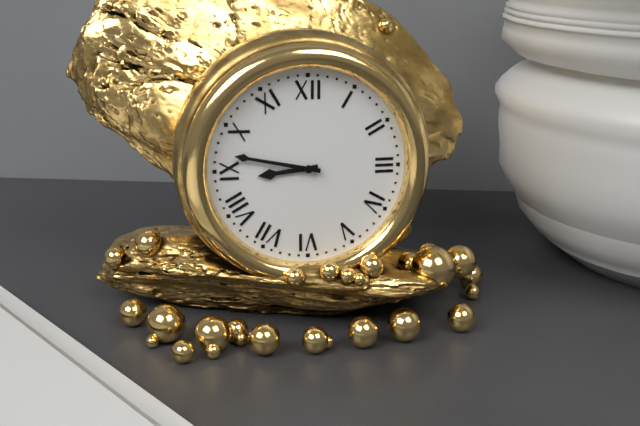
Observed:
{"hour": 8, "minute": 47}
